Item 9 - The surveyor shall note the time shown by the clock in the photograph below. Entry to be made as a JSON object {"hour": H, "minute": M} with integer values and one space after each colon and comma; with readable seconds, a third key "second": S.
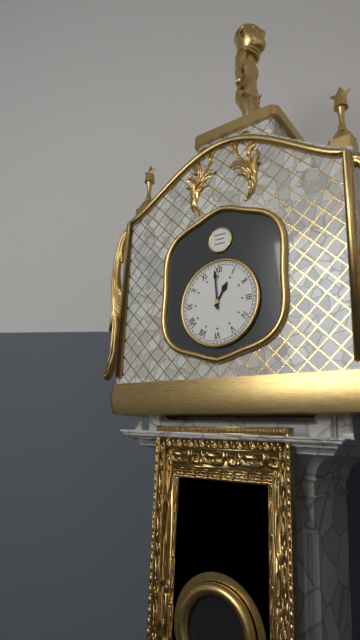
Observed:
{"hour": 12, "minute": 59}
